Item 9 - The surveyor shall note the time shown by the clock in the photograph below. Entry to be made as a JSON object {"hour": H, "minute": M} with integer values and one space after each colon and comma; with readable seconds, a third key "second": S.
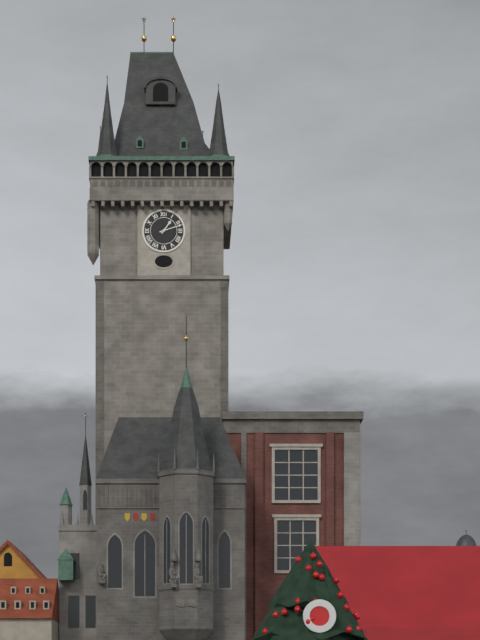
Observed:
{"hour": 1, "minute": 12}
